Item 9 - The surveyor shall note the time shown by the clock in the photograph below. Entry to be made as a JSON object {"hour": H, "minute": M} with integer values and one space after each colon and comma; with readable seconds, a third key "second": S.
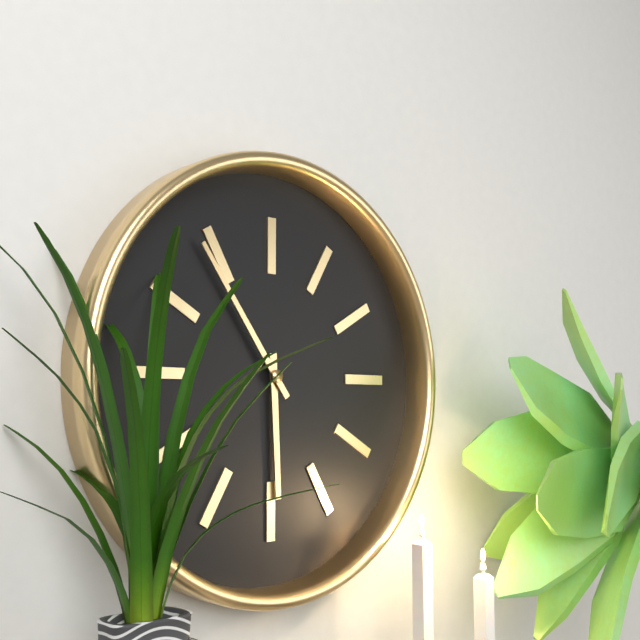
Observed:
{"hour": 5, "minute": 54}
